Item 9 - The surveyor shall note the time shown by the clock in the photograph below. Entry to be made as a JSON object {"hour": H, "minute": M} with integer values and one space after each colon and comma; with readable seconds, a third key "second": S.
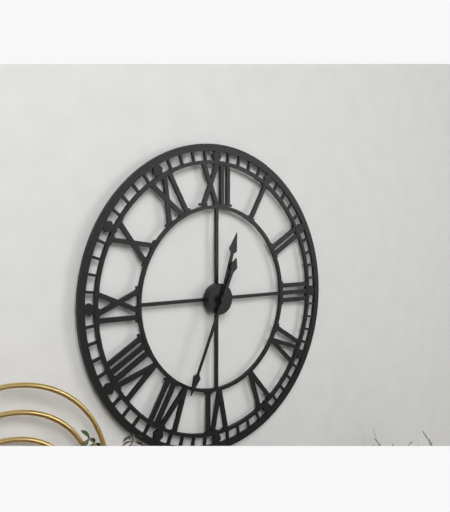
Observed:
{"hour": 12, "minute": 34}
